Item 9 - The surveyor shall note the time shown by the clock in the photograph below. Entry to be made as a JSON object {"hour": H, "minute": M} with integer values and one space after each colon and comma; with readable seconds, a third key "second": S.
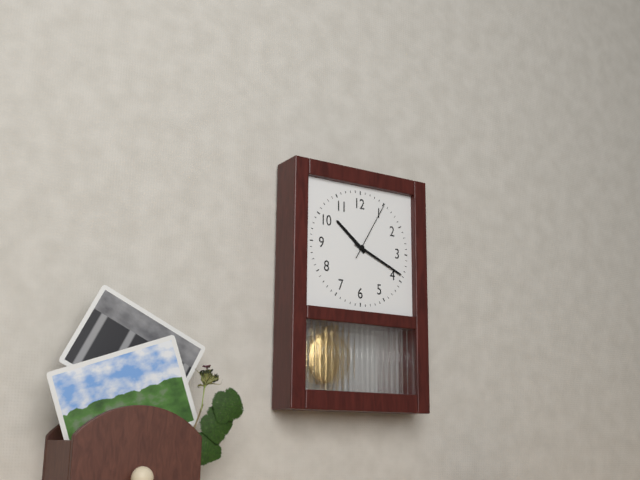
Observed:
{"hour": 10, "minute": 19, "second": 5}
